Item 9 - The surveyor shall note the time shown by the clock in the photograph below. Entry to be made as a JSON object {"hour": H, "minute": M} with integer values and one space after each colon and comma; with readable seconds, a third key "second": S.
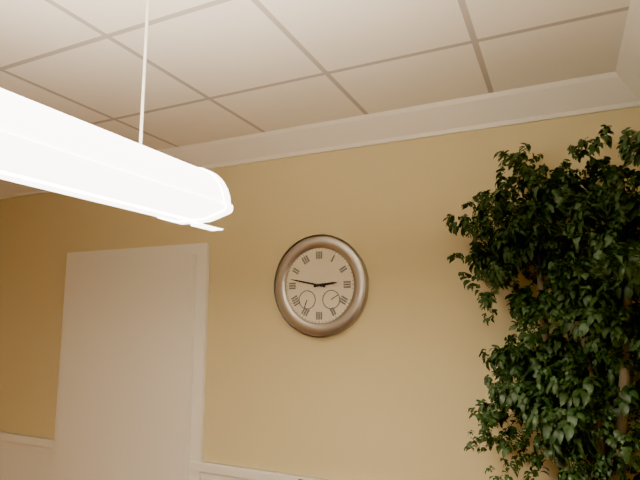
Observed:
{"hour": 2, "minute": 47}
